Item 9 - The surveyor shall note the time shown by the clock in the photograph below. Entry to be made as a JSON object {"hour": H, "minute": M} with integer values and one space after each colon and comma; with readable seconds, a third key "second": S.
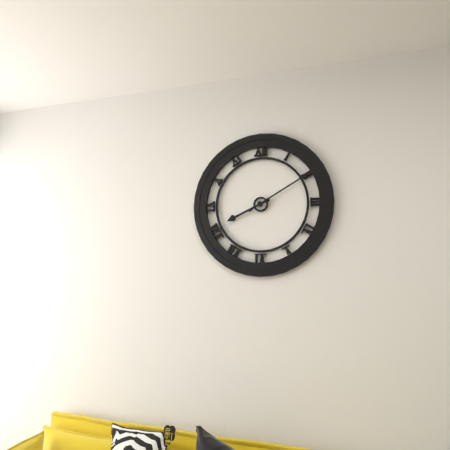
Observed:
{"hour": 8, "minute": 10}
